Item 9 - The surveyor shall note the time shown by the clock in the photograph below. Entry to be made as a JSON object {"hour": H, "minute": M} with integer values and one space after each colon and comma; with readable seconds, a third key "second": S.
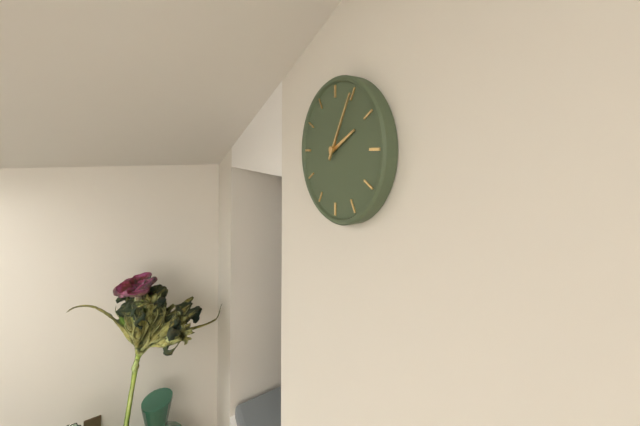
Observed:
{"hour": 2, "minute": 5}
